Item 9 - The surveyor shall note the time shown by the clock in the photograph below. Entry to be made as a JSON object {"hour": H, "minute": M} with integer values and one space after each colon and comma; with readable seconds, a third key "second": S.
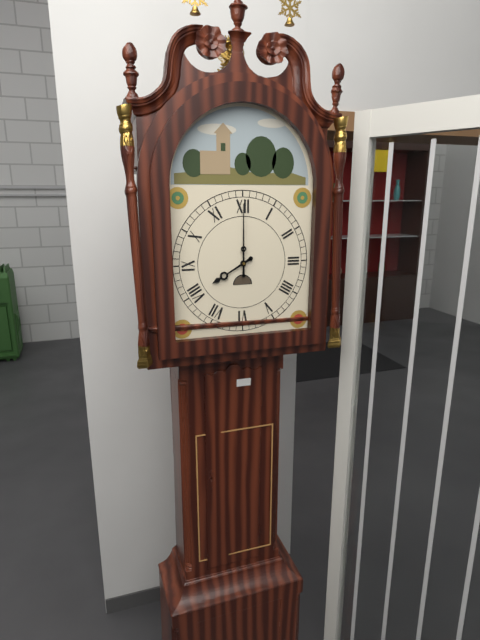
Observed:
{"hour": 8, "minute": 0}
